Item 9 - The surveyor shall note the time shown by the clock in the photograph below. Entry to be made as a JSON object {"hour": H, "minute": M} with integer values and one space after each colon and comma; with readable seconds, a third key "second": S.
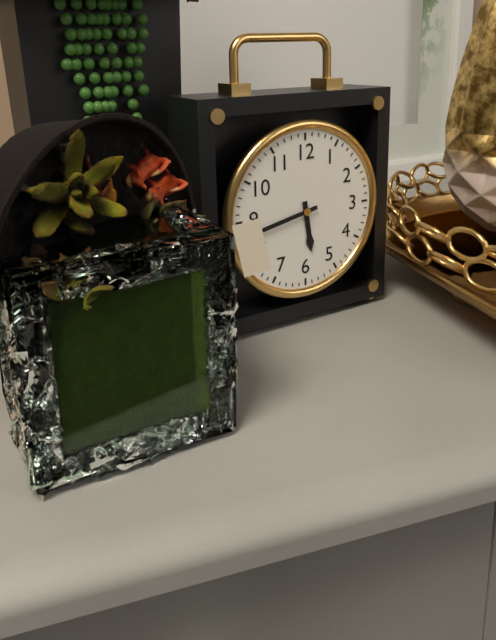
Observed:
{"hour": 5, "minute": 43}
